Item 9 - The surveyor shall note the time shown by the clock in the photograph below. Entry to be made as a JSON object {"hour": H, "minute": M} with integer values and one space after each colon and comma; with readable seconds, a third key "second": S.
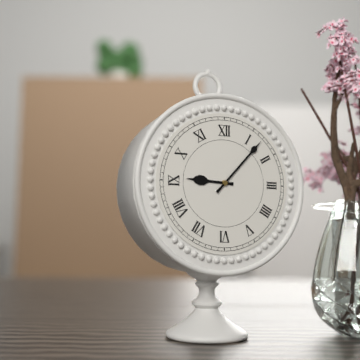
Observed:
{"hour": 9, "minute": 7}
